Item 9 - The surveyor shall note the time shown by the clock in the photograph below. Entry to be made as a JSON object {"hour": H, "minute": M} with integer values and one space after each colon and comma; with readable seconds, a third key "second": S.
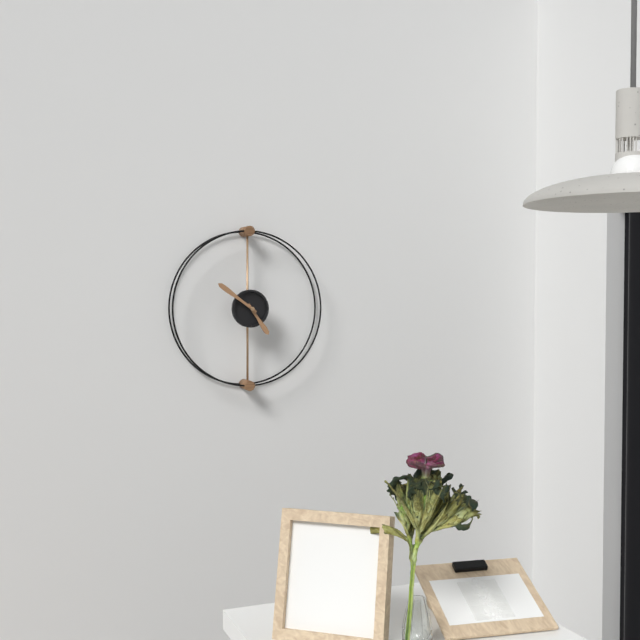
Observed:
{"hour": 4, "minute": 51}
